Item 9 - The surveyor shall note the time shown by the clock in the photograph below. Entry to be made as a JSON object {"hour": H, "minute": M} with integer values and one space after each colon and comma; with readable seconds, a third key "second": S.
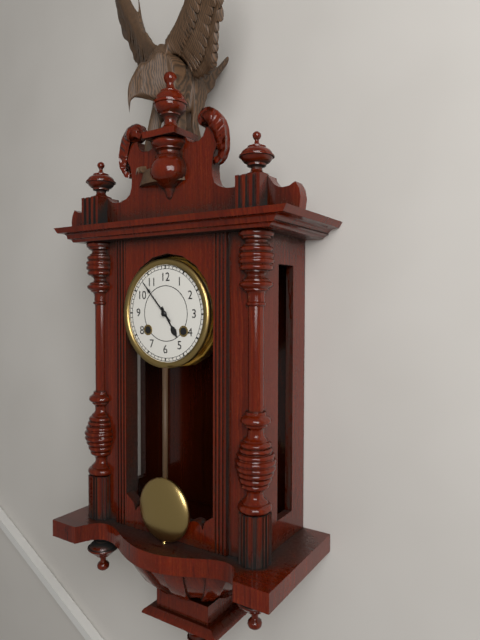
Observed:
{"hour": 4, "minute": 53}
